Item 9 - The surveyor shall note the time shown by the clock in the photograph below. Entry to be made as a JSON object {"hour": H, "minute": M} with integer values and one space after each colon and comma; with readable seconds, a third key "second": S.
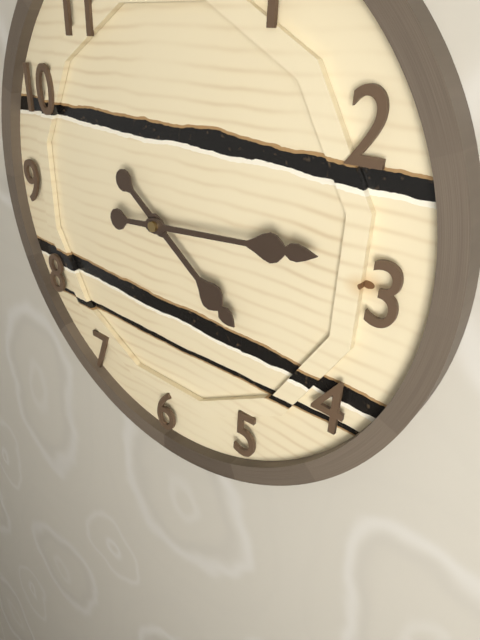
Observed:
{"hour": 4, "minute": 14}
